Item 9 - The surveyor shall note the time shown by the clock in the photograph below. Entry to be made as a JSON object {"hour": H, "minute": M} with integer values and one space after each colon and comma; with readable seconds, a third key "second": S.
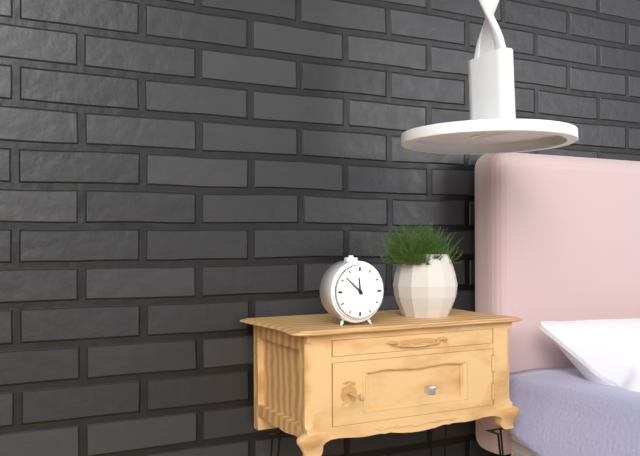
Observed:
{"hour": 11, "minute": 52}
